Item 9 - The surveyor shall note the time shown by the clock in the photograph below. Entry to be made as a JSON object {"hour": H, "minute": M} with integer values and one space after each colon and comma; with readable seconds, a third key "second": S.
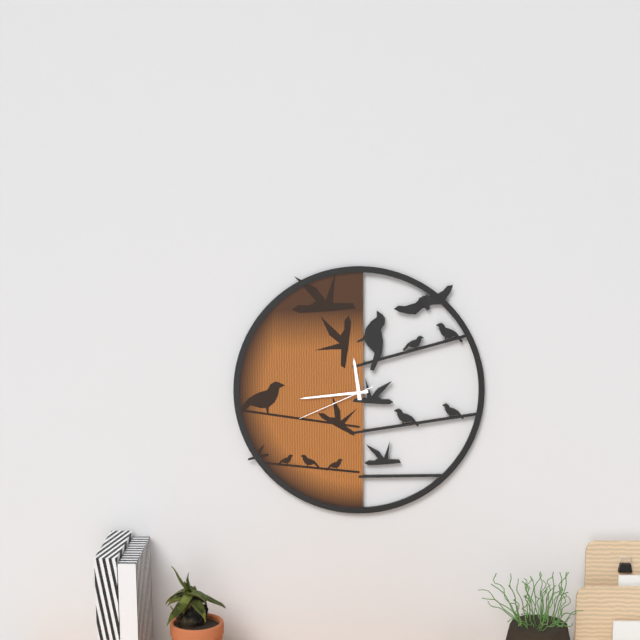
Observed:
{"hour": 11, "minute": 44, "second": 41}
